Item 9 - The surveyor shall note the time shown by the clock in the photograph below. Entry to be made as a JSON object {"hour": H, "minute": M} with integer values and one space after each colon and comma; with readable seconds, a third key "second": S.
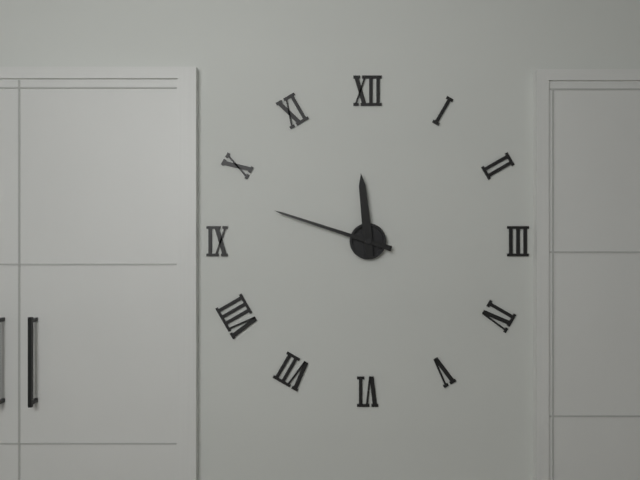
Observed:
{"hour": 11, "minute": 48}
